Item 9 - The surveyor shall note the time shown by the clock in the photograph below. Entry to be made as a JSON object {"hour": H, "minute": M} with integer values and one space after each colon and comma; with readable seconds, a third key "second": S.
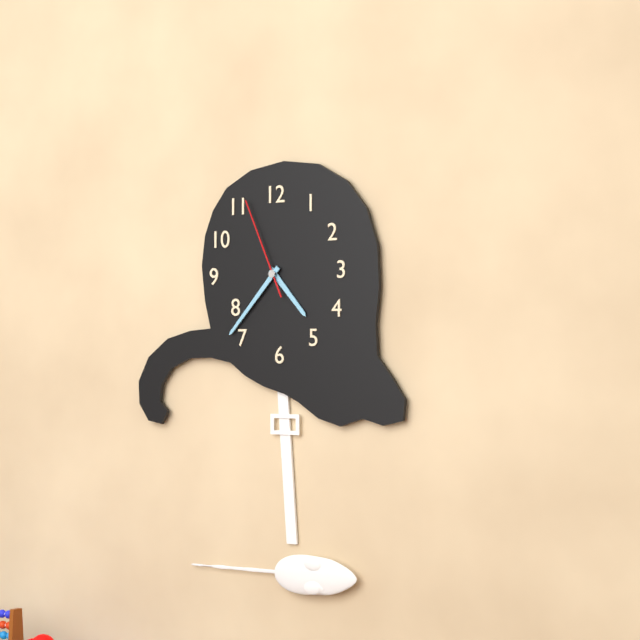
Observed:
{"hour": 4, "minute": 37, "second": 56}
